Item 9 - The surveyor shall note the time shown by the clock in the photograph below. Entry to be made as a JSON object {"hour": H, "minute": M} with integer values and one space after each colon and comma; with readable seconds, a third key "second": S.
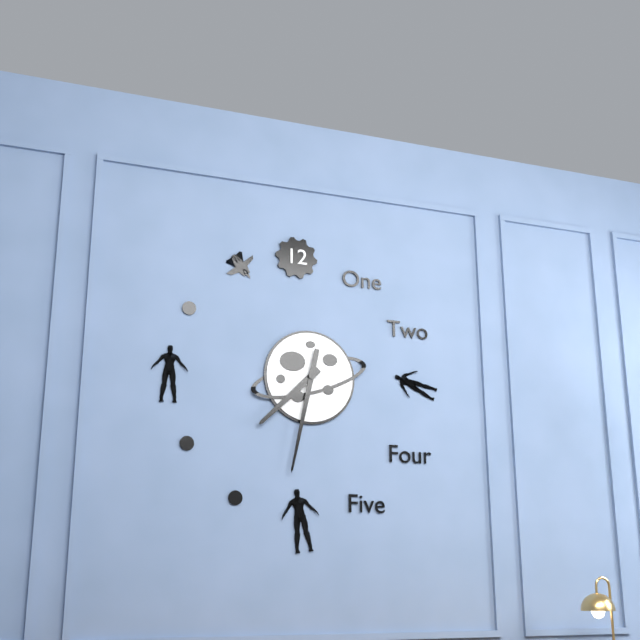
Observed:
{"hour": 7, "minute": 32}
